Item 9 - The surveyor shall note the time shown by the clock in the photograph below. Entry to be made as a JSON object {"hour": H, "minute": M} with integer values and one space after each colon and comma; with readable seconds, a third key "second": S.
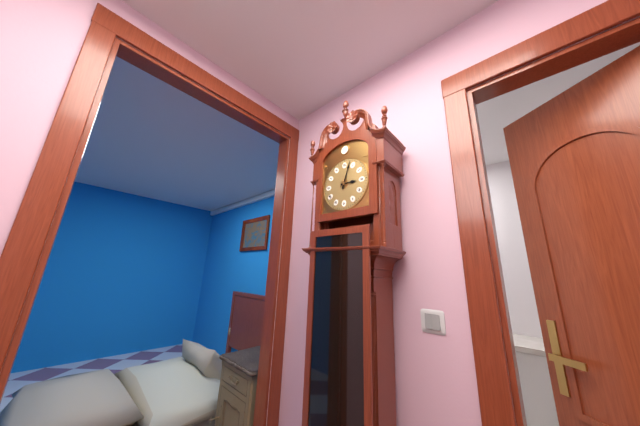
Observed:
{"hour": 3, "minute": 3}
